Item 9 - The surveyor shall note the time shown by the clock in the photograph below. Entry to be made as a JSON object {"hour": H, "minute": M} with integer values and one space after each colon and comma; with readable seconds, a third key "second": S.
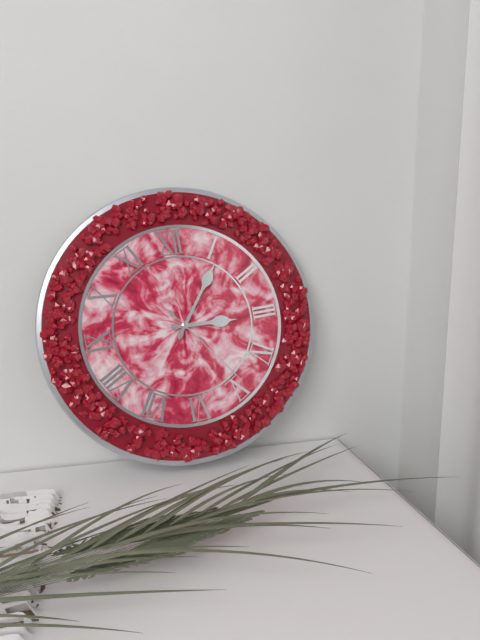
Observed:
{"hour": 3, "minute": 6, "second": 24}
